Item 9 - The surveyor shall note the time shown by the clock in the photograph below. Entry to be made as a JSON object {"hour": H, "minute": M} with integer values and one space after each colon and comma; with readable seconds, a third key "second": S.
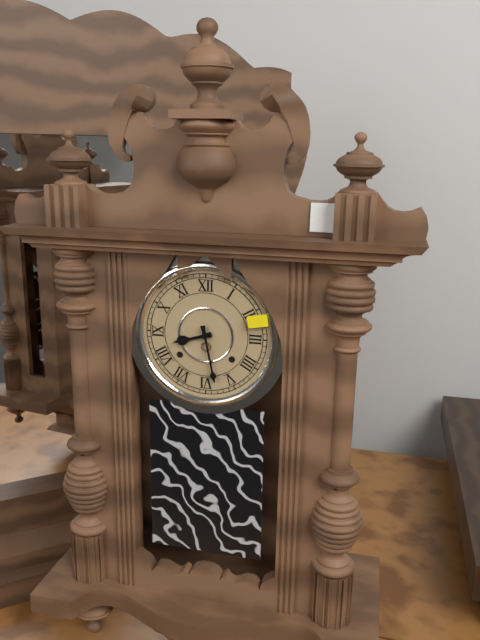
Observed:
{"hour": 8, "minute": 28}
